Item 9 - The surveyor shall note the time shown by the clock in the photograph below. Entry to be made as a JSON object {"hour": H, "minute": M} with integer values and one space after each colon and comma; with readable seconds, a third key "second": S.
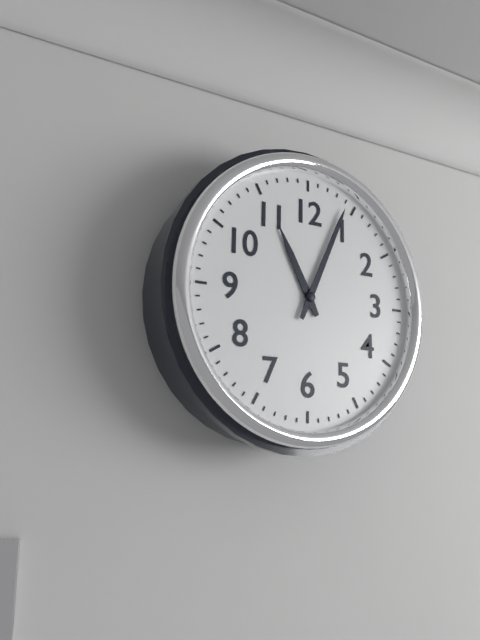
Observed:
{"hour": 11, "minute": 4}
